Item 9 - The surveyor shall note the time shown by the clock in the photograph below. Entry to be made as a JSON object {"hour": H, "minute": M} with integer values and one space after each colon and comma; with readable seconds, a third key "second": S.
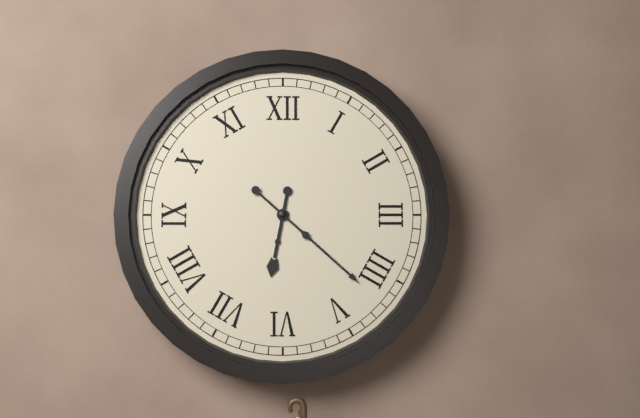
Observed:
{"hour": 6, "minute": 22}
